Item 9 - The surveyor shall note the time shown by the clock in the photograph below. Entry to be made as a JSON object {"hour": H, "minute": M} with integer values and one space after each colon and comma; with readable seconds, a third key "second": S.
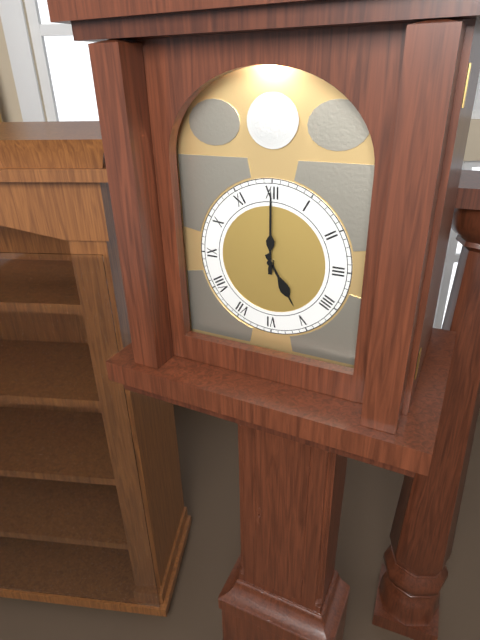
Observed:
{"hour": 5, "minute": 0}
